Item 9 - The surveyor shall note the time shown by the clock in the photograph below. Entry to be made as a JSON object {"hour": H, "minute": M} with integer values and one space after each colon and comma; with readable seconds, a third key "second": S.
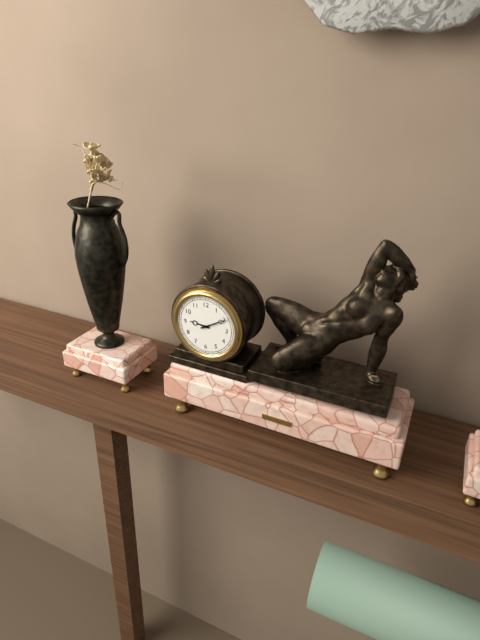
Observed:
{"hour": 9, "minute": 10}
